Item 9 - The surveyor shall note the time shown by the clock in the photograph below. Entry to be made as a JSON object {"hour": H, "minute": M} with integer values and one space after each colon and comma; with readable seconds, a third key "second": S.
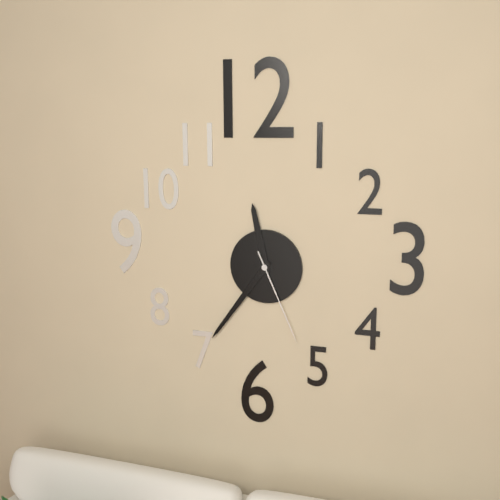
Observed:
{"hour": 11, "minute": 36, "second": 26}
